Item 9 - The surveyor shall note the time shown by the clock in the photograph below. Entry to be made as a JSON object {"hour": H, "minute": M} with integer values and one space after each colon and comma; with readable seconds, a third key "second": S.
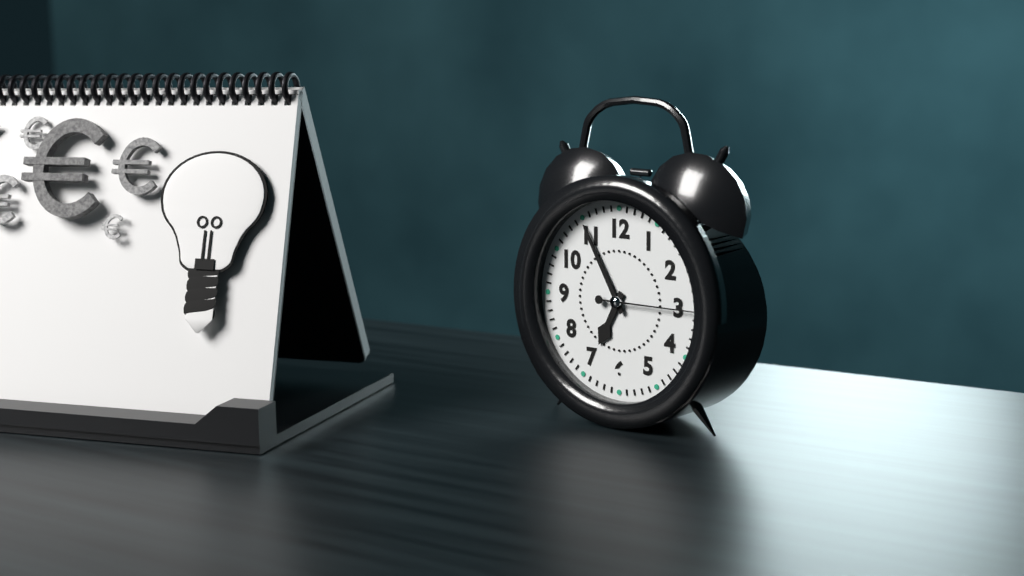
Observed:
{"hour": 6, "minute": 55, "second": 15}
